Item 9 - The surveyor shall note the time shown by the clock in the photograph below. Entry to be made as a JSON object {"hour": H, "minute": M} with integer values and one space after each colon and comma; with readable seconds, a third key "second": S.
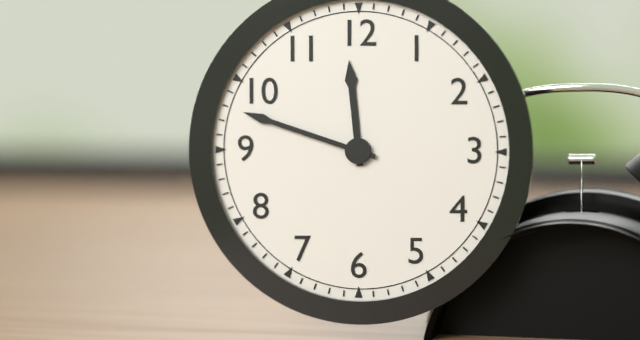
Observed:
{"hour": 11, "minute": 48}
